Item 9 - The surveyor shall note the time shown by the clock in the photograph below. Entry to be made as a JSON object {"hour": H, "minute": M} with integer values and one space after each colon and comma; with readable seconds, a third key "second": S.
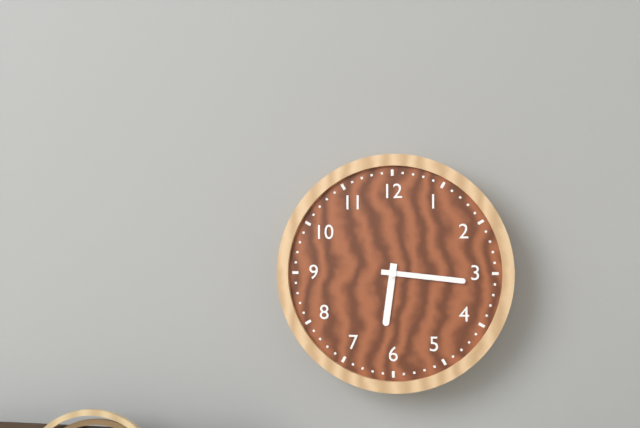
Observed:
{"hour": 6, "minute": 16}
